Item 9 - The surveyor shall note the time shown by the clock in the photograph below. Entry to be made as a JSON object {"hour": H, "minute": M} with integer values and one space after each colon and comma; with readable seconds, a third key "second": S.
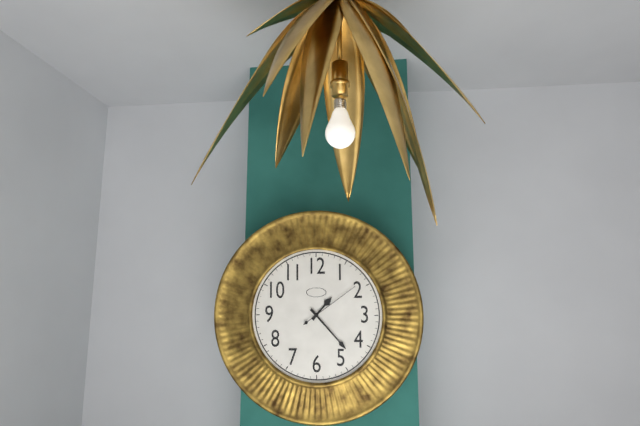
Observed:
{"hour": 1, "minute": 23, "second": 9}
